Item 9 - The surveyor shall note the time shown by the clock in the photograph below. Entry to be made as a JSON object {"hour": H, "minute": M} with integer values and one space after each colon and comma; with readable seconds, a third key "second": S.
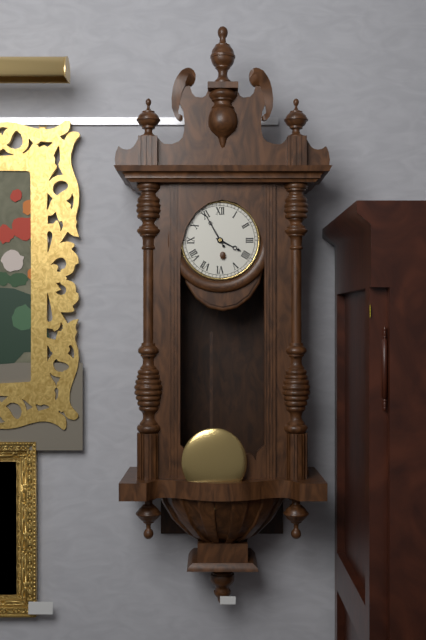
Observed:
{"hour": 3, "minute": 55}
